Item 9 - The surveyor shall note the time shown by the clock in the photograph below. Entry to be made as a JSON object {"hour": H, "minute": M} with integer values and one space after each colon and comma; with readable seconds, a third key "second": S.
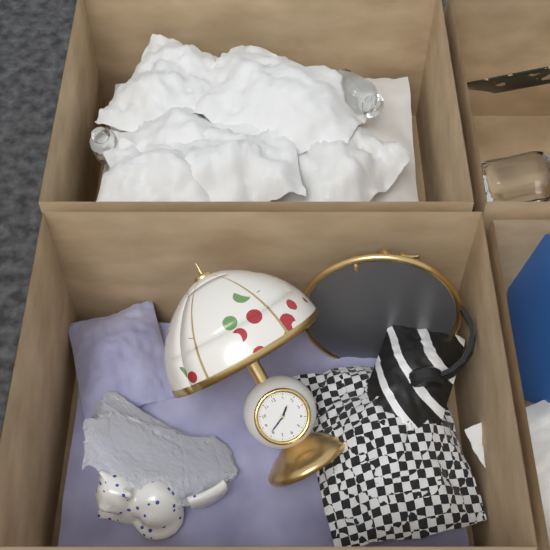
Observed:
{"hour": 1, "minute": 41}
